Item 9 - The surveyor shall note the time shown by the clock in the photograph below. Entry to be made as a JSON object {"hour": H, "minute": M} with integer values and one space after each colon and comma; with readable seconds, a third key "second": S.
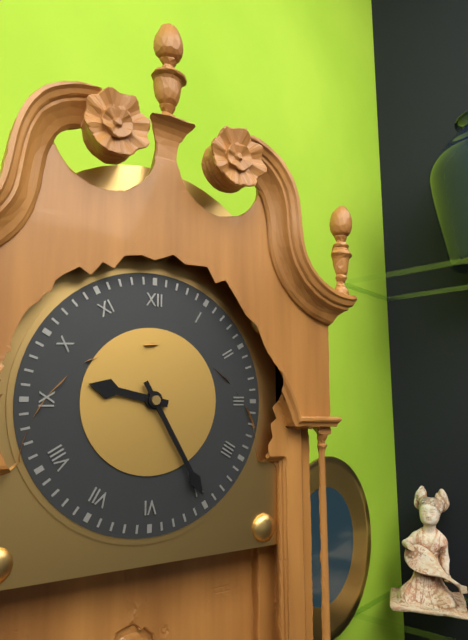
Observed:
{"hour": 9, "minute": 25}
